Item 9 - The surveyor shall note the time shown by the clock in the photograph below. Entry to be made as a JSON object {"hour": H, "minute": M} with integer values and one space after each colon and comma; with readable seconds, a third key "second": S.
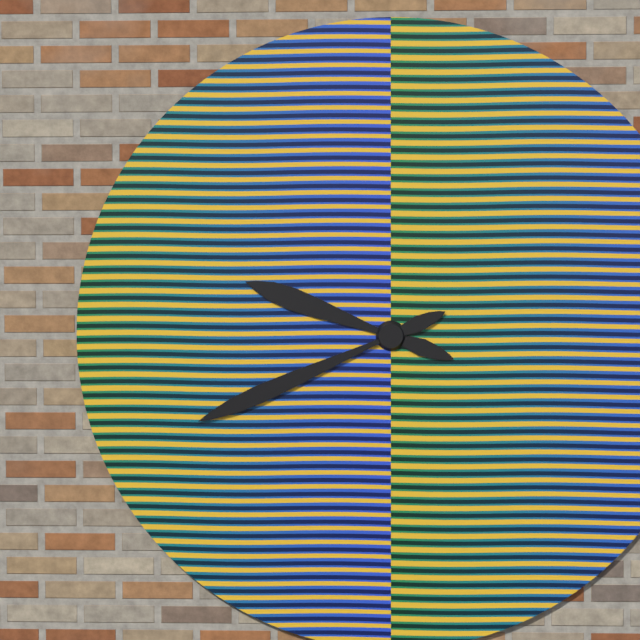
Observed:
{"hour": 9, "minute": 41}
